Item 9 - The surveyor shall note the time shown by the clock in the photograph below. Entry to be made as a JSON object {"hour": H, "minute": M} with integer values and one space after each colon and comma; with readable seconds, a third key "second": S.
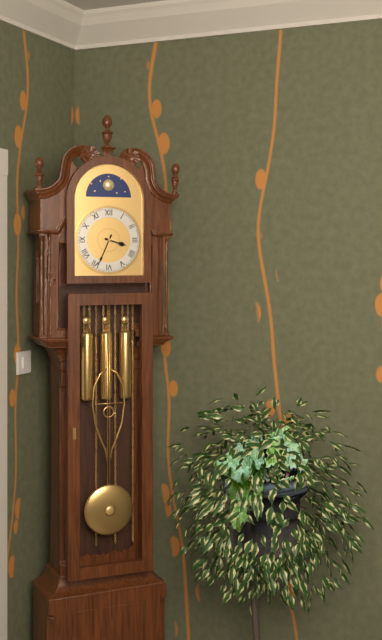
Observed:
{"hour": 3, "minute": 34}
